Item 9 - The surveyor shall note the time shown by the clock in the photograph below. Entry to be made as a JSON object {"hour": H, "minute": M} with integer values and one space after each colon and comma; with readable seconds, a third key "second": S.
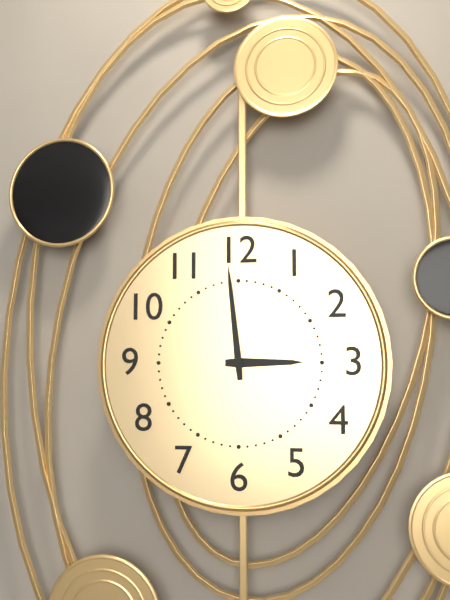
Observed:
{"hour": 2, "minute": 59}
